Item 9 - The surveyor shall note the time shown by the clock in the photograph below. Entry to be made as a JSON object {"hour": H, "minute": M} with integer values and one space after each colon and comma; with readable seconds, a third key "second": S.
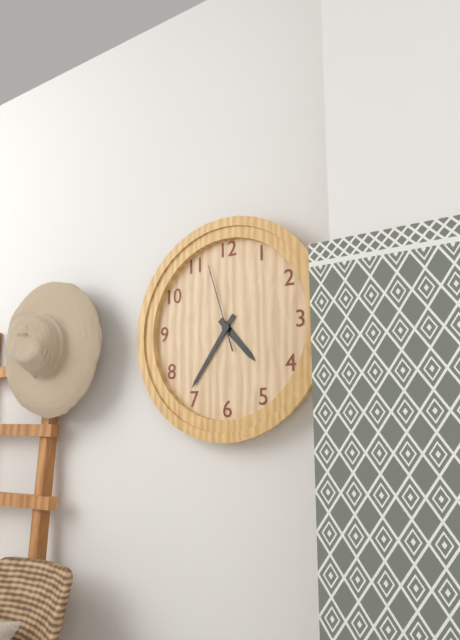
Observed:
{"hour": 4, "minute": 36, "second": 57}
